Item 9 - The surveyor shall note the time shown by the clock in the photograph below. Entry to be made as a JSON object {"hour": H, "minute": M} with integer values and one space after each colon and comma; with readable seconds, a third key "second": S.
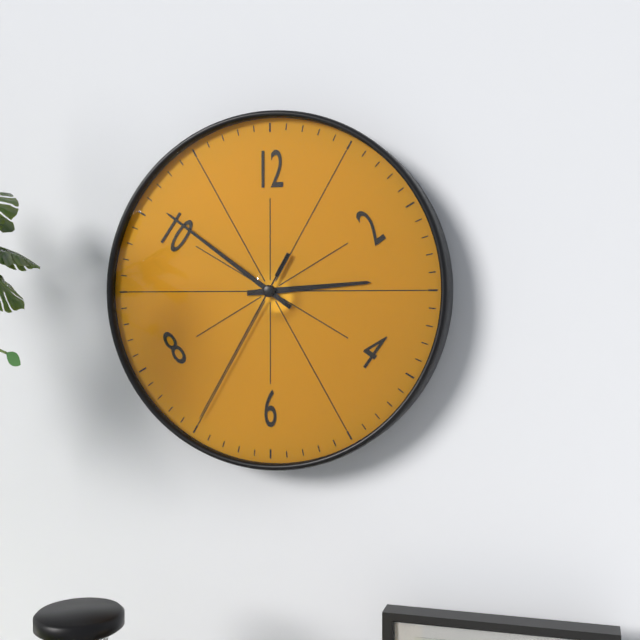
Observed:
{"hour": 2, "minute": 51, "second": 35}
